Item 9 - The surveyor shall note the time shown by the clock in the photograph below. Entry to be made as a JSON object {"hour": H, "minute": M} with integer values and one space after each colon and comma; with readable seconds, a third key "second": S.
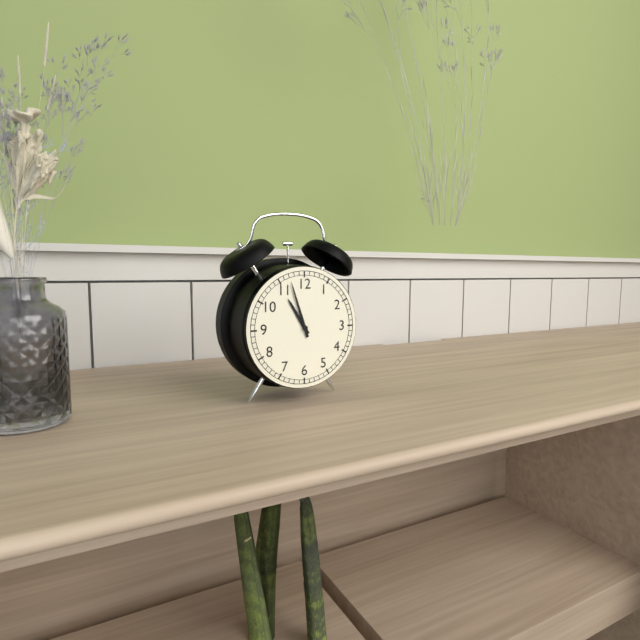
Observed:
{"hour": 10, "minute": 57}
